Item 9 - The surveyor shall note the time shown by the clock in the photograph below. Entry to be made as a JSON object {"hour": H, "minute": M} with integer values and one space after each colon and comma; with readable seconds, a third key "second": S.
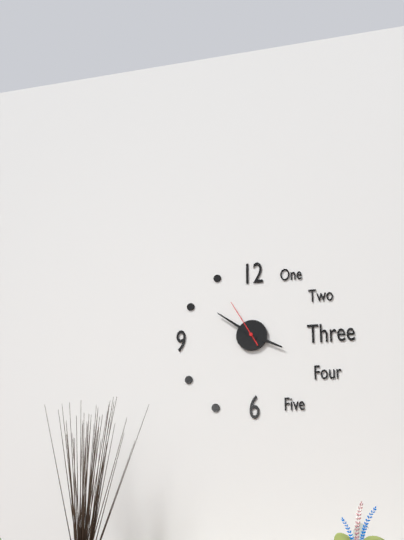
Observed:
{"hour": 3, "minute": 51}
